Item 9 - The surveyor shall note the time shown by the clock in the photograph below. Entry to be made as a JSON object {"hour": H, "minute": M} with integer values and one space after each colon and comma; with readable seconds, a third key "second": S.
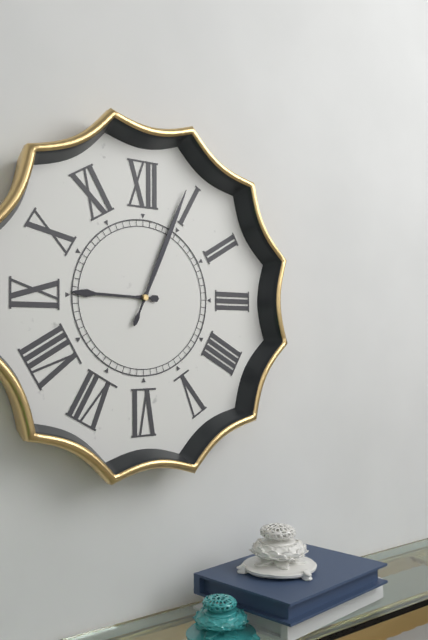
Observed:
{"hour": 9, "minute": 4}
